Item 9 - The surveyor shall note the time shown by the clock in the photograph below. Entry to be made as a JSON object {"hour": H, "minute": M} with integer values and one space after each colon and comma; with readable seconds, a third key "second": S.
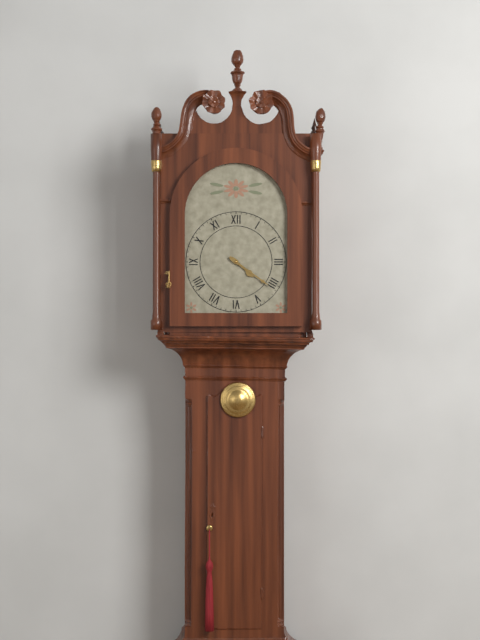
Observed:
{"hour": 4, "minute": 21}
